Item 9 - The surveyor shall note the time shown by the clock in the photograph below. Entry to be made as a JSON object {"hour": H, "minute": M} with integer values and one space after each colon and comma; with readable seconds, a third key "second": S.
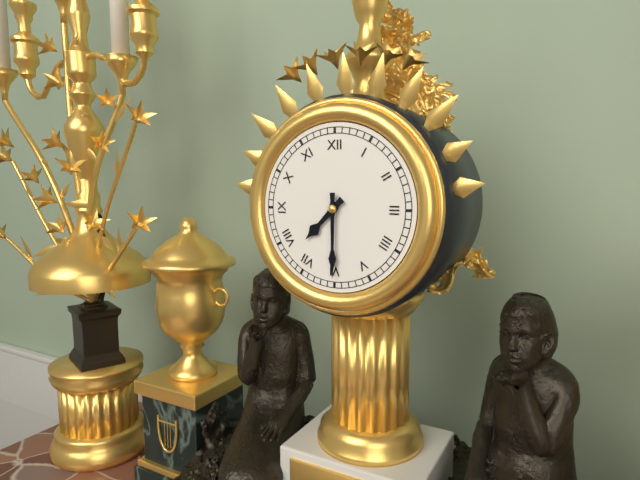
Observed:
{"hour": 7, "minute": 30}
